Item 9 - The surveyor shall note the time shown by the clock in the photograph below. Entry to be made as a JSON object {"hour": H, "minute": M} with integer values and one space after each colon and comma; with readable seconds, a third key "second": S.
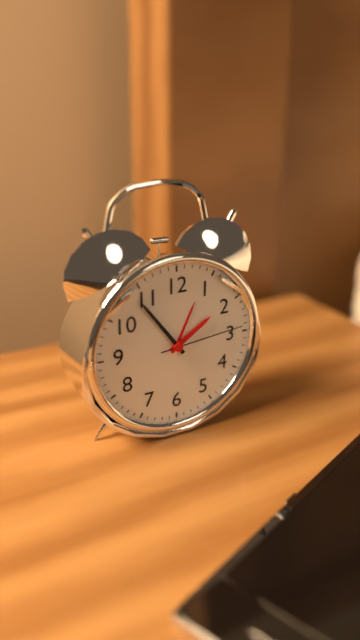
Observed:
{"hour": 1, "minute": 54, "second": 14}
